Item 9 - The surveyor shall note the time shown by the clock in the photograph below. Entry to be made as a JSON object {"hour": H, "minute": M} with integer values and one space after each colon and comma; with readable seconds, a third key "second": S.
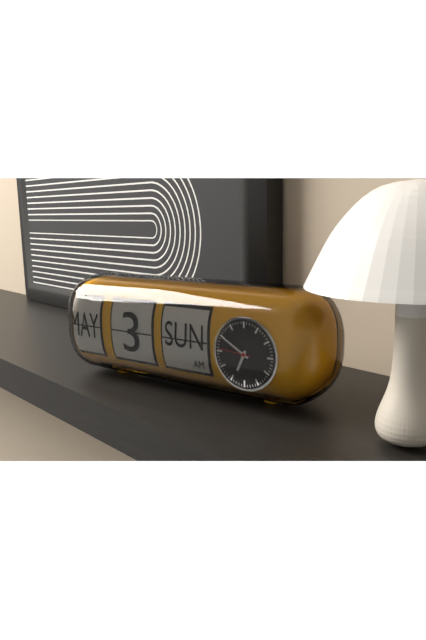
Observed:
{"hour": 6, "minute": 50, "second": 46}
